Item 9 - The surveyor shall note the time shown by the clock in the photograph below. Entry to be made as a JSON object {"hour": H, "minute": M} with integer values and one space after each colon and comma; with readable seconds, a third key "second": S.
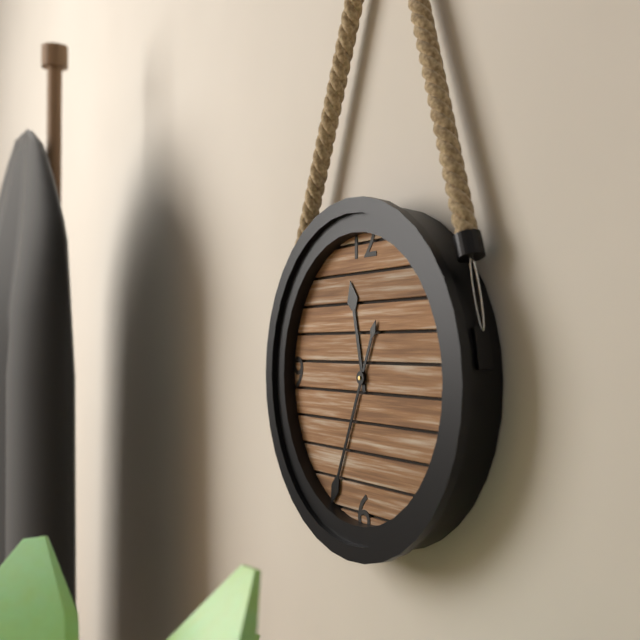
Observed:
{"hour": 11, "minute": 34}
